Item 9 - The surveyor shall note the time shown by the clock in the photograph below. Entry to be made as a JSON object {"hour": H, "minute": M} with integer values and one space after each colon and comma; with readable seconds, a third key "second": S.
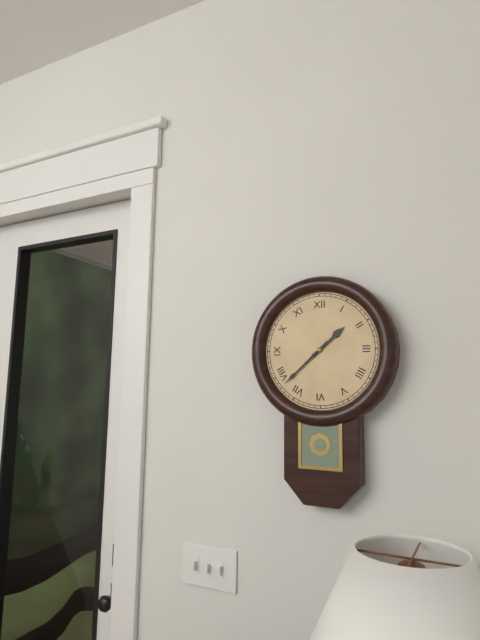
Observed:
{"hour": 1, "minute": 38}
